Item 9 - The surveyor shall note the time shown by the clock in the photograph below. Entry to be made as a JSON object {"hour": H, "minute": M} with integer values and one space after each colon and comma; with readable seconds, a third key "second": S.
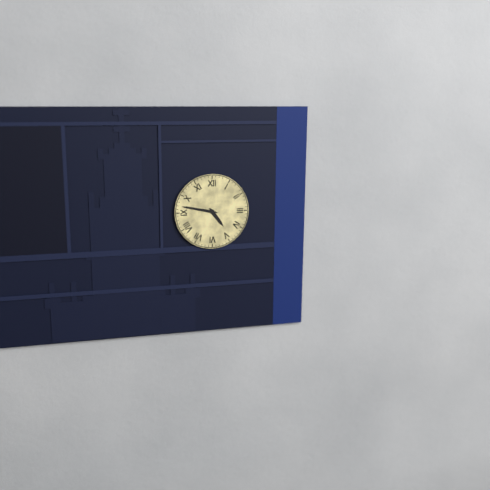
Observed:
{"hour": 4, "minute": 47}
